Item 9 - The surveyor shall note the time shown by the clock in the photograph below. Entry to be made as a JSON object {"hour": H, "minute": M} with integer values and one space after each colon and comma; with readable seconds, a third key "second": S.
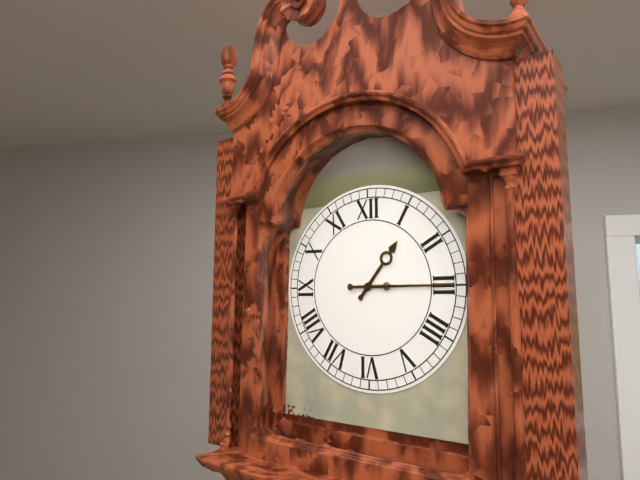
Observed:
{"hour": 1, "minute": 15}
